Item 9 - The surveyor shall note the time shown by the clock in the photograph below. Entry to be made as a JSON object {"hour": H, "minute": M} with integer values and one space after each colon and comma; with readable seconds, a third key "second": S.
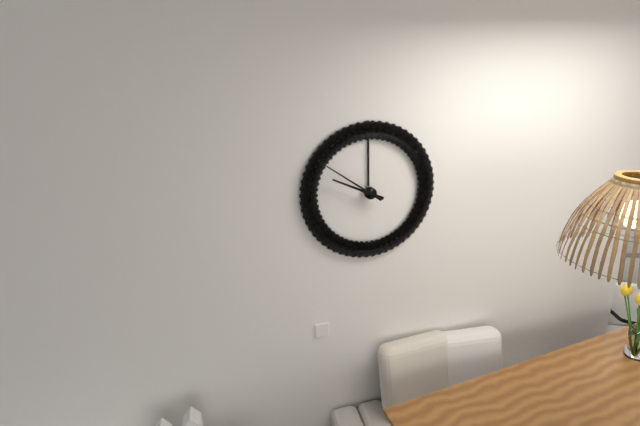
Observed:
{"hour": 9, "minute": 51}
